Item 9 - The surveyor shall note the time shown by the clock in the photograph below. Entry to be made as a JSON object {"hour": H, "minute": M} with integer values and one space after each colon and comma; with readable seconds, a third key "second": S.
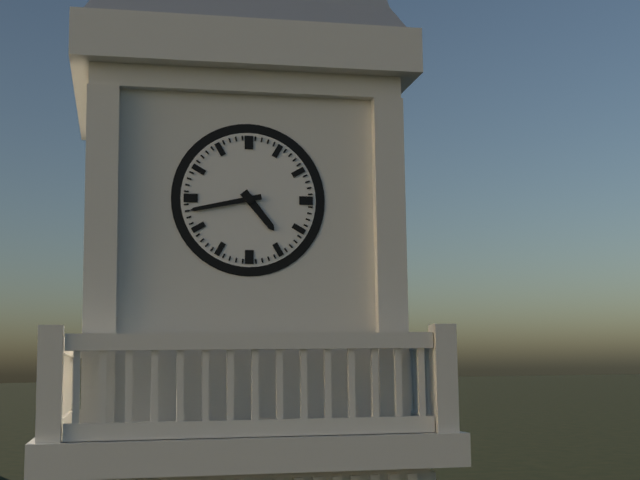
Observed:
{"hour": 4, "minute": 43}
